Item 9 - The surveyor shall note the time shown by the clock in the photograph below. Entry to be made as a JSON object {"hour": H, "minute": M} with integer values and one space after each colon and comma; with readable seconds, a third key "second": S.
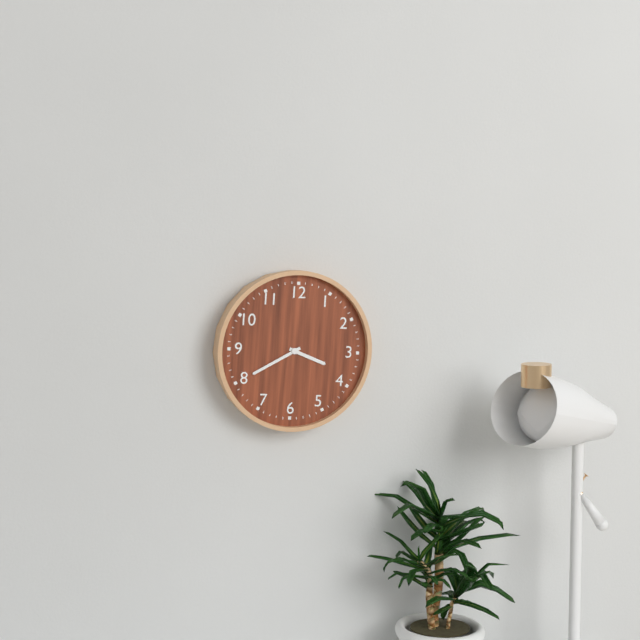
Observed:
{"hour": 3, "minute": 40}
